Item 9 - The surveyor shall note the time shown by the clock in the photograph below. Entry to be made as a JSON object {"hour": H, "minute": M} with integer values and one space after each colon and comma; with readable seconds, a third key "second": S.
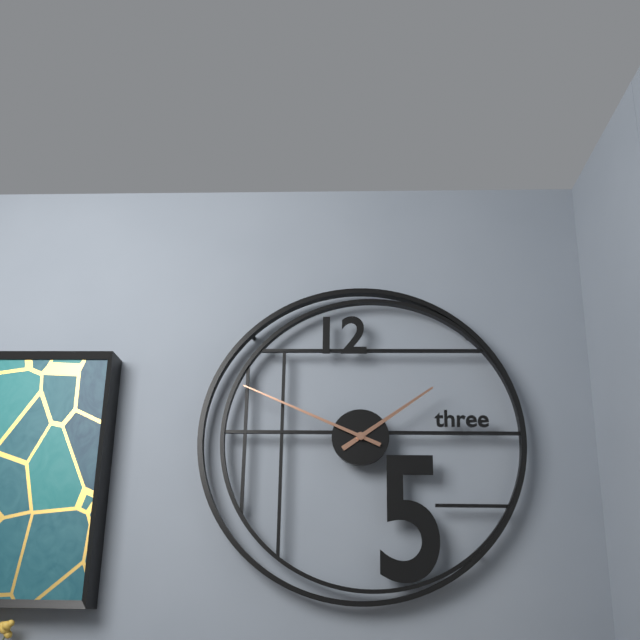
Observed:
{"hour": 1, "minute": 49}
